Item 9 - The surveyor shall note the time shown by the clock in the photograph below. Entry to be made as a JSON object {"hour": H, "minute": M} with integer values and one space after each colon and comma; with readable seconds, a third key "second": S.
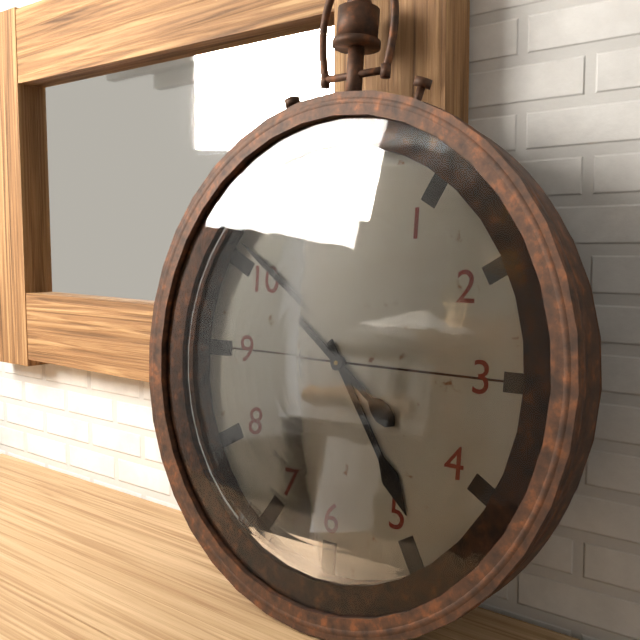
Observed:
{"hour": 4, "minute": 51}
